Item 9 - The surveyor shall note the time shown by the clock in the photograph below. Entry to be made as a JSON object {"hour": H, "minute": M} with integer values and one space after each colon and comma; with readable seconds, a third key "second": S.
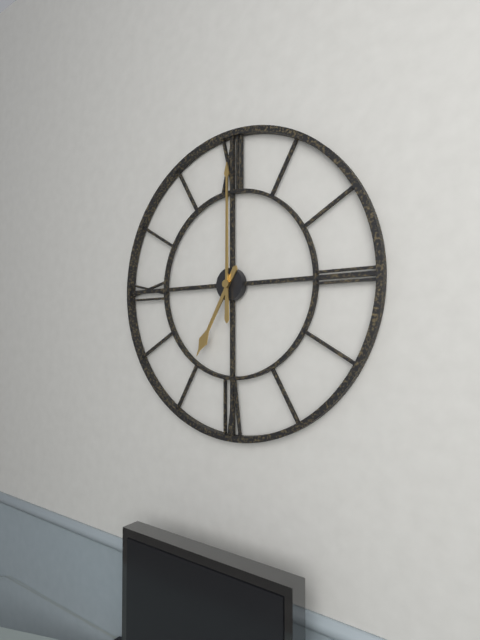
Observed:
{"hour": 7, "minute": 0}
